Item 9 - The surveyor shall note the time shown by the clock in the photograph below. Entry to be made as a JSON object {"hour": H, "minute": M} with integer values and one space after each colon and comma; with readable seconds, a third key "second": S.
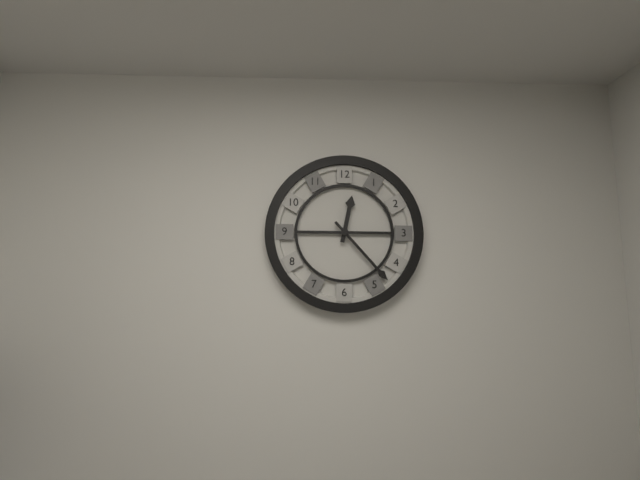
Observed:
{"hour": 12, "minute": 23}
